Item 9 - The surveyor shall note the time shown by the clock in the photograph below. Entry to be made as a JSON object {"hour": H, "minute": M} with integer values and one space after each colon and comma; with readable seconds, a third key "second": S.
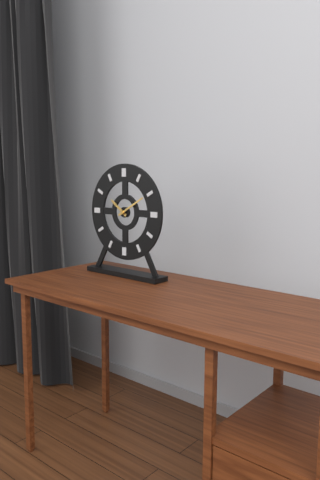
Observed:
{"hour": 10, "minute": 10}
